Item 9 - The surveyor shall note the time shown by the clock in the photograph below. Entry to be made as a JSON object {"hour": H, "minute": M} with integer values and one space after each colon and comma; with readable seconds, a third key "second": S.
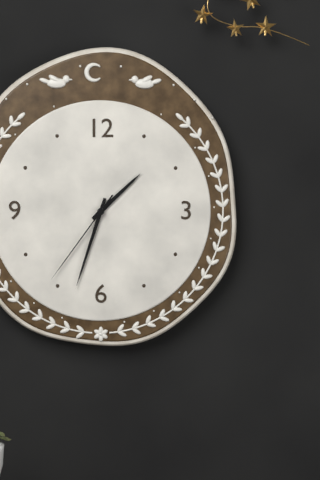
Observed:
{"hour": 1, "minute": 33, "second": 36}
